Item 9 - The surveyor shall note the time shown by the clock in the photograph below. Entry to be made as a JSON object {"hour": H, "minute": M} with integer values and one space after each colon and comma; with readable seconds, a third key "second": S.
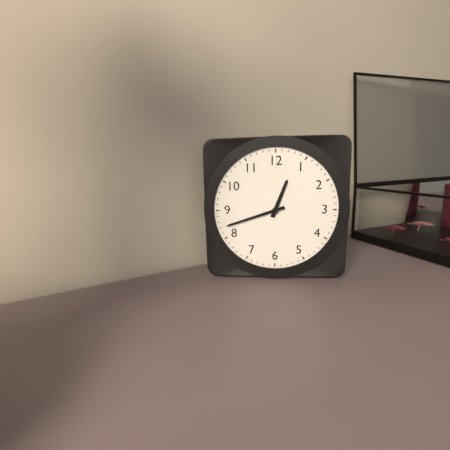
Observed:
{"hour": 12, "minute": 42}
